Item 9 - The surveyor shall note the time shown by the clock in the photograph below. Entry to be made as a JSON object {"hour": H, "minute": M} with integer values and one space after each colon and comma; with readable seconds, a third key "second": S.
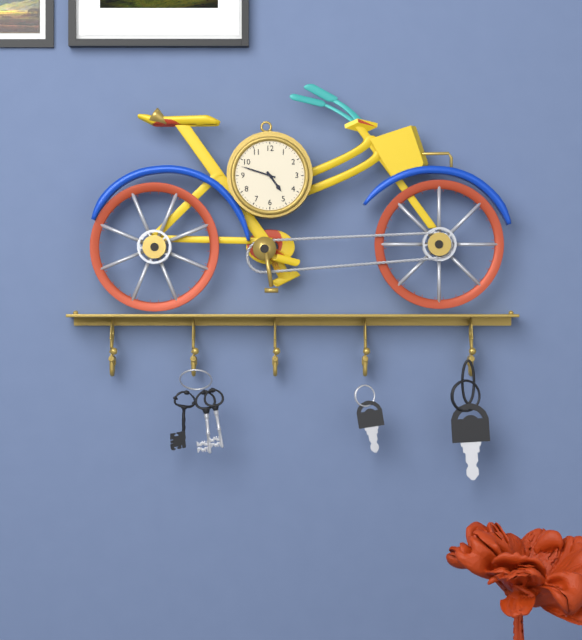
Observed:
{"hour": 4, "minute": 48}
